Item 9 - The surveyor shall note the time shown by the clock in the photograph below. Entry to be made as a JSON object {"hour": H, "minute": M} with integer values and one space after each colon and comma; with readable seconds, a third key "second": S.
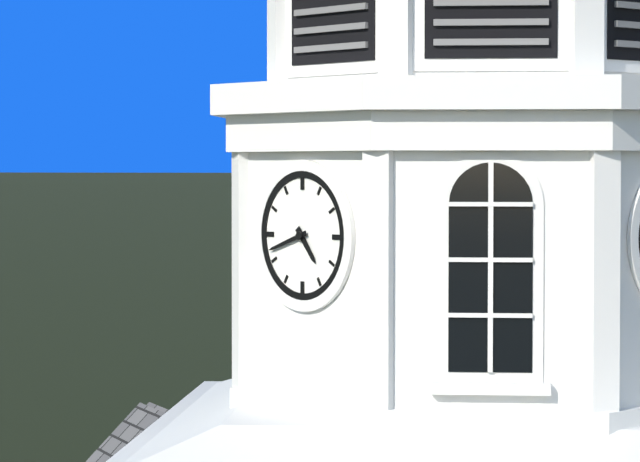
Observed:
{"hour": 4, "minute": 42}
